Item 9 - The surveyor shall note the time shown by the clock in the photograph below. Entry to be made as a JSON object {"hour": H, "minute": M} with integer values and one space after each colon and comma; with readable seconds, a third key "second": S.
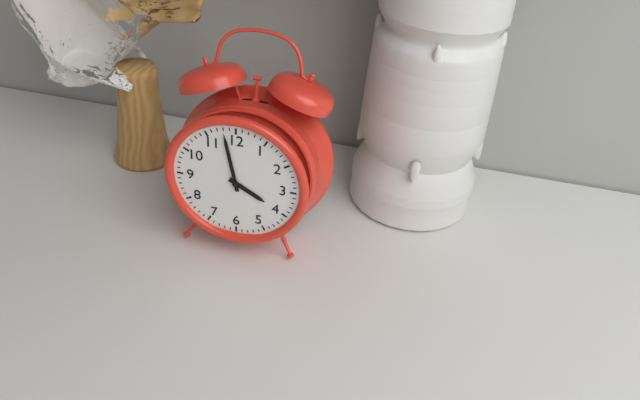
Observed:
{"hour": 3, "minute": 58}
